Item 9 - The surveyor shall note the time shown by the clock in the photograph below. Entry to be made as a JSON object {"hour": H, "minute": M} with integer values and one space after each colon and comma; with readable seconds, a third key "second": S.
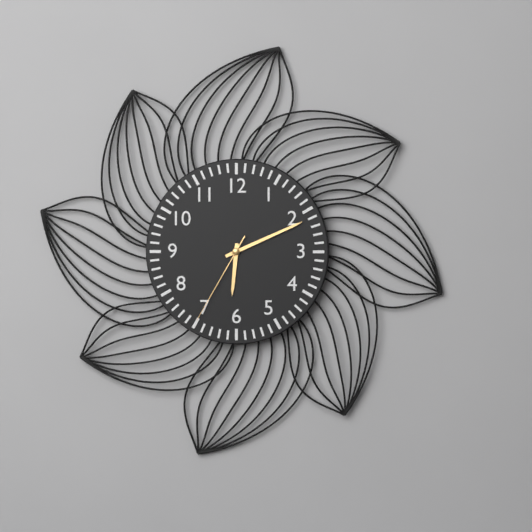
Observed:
{"hour": 6, "minute": 11, "second": 35}
